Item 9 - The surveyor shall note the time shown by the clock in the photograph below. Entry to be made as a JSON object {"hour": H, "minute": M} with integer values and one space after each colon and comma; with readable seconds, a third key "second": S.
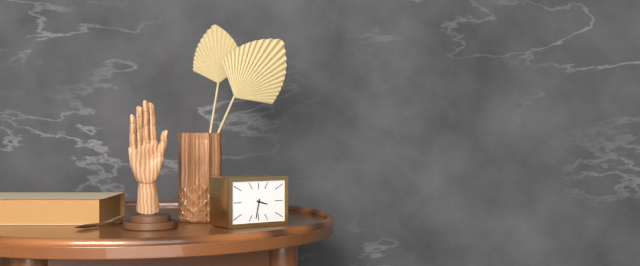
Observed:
{"hour": 3, "minute": 32}
